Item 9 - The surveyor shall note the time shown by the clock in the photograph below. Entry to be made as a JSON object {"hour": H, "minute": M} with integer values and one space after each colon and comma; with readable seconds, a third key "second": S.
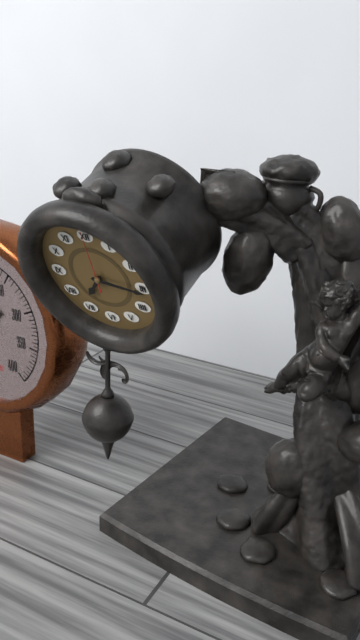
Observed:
{"hour": 7, "minute": 16, "second": 0}
